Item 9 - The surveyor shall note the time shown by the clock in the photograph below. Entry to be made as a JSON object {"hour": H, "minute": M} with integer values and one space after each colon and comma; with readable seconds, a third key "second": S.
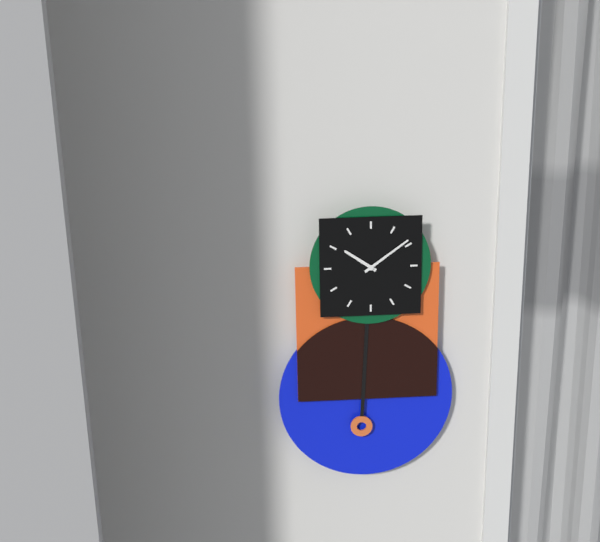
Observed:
{"hour": 10, "minute": 9}
